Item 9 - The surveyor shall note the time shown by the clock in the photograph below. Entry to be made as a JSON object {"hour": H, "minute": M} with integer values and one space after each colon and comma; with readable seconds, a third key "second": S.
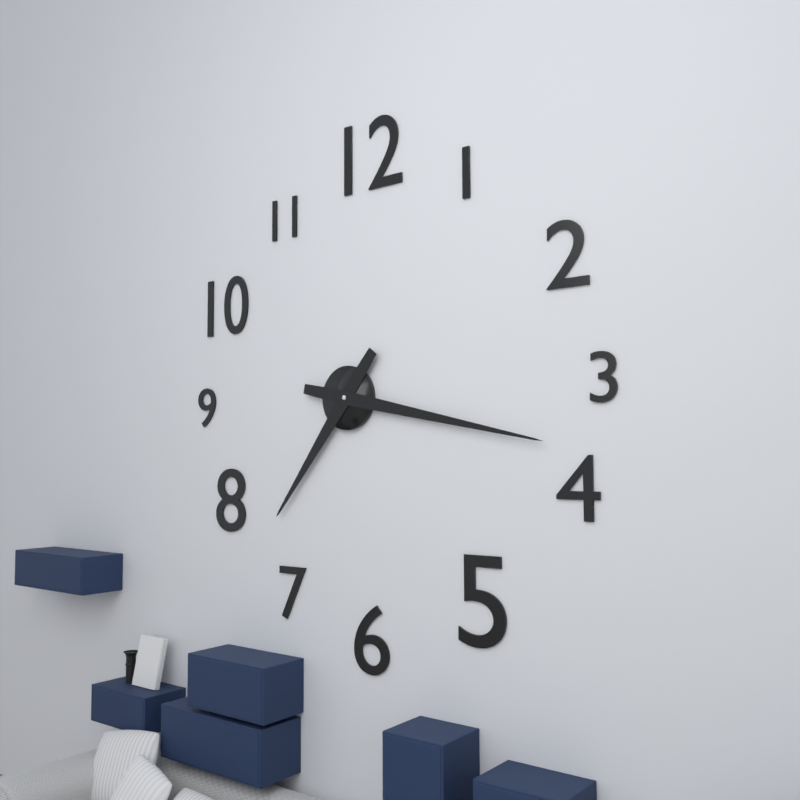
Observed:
{"hour": 7, "minute": 17}
